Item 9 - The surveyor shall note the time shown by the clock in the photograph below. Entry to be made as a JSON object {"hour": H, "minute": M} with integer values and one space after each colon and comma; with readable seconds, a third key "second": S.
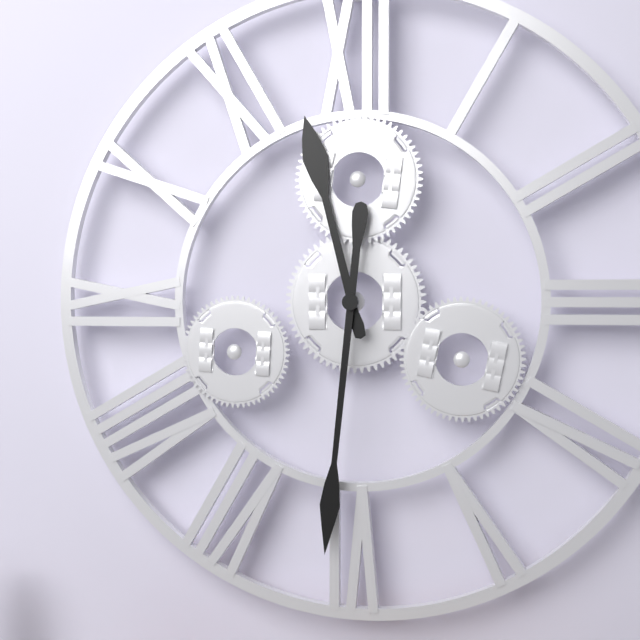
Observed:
{"hour": 11, "minute": 31}
